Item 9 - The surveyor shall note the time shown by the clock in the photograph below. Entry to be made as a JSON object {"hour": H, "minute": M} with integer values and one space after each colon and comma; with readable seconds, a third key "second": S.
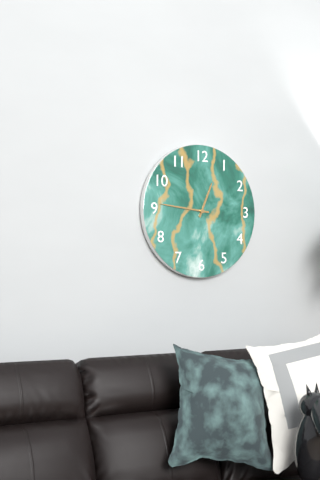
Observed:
{"hour": 12, "minute": 46}
